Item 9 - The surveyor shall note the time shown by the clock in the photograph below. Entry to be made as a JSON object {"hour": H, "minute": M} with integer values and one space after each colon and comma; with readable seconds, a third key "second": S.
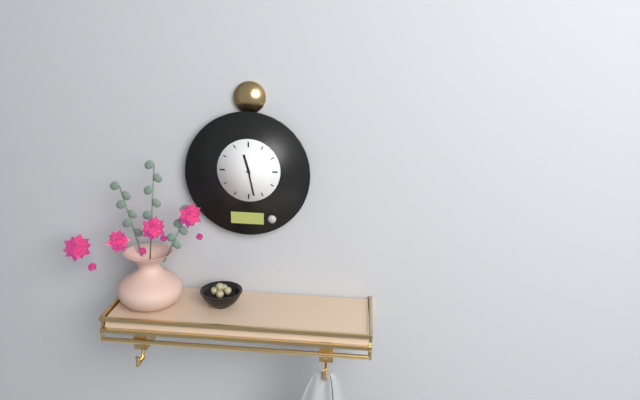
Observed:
{"hour": 11, "minute": 28}
